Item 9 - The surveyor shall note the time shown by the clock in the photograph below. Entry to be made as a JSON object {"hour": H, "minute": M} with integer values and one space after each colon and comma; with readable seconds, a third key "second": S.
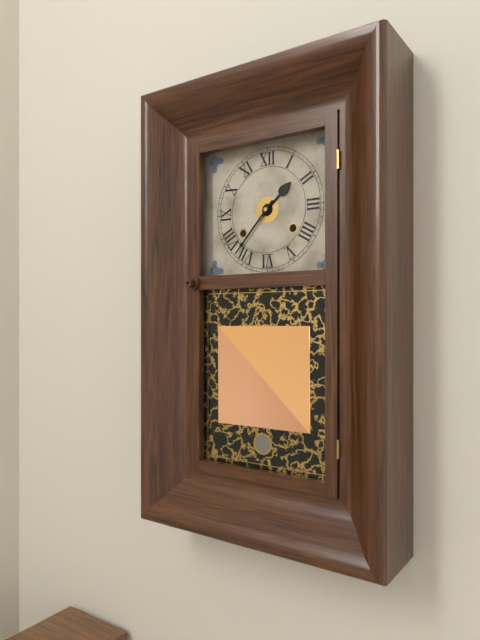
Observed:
{"hour": 1, "minute": 37}
